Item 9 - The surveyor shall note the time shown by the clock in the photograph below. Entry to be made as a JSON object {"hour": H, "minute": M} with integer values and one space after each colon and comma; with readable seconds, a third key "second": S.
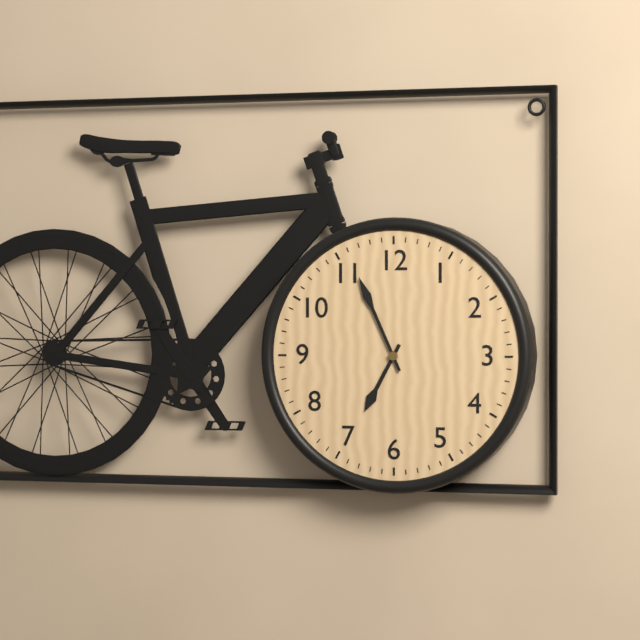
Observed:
{"hour": 6, "minute": 56}
